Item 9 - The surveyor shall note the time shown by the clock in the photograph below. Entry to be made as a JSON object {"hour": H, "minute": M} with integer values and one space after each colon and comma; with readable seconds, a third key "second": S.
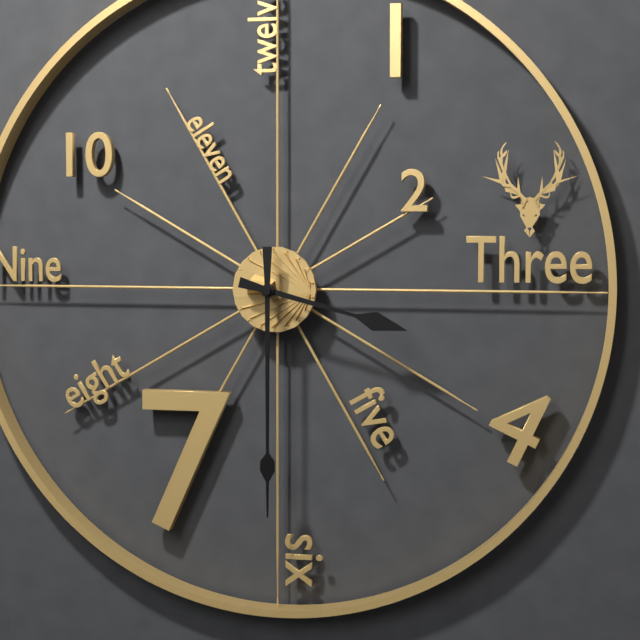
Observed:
{"hour": 3, "minute": 30}
